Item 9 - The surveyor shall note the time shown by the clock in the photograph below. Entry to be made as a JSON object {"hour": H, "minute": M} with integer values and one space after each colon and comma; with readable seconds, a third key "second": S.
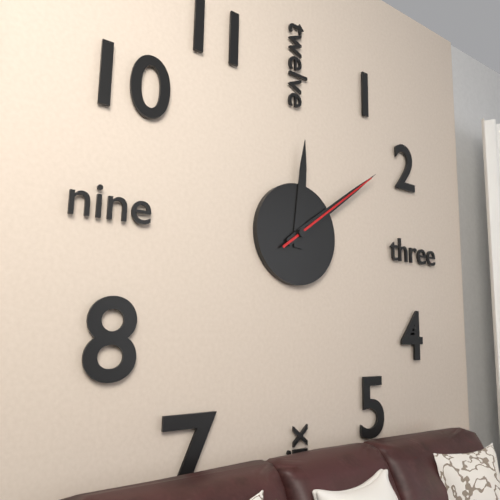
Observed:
{"hour": 12, "minute": 9, "second": 9}
